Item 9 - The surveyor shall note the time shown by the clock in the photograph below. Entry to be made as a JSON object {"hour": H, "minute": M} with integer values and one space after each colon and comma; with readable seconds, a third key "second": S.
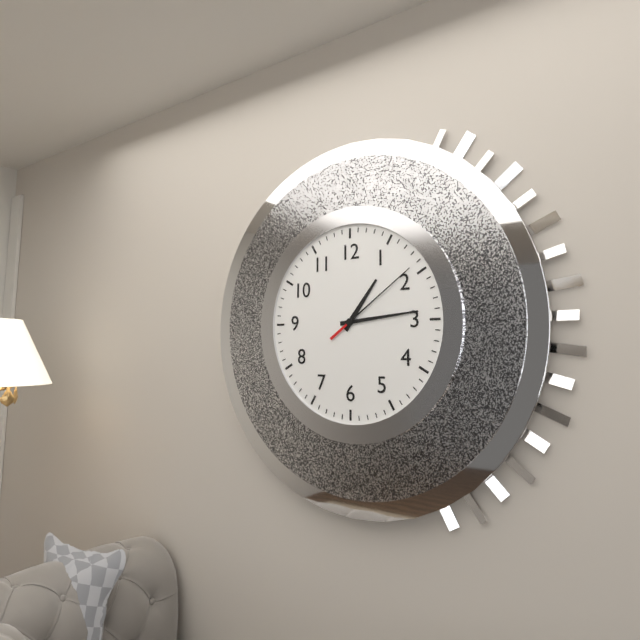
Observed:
{"hour": 1, "minute": 14, "second": 9}
